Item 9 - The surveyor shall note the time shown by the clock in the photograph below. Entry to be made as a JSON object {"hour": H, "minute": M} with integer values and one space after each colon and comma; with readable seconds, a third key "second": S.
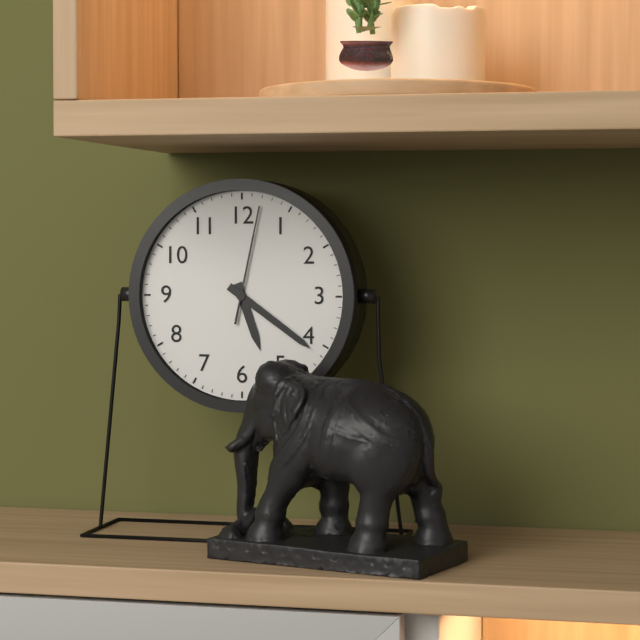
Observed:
{"hour": 5, "minute": 21, "second": 2}
